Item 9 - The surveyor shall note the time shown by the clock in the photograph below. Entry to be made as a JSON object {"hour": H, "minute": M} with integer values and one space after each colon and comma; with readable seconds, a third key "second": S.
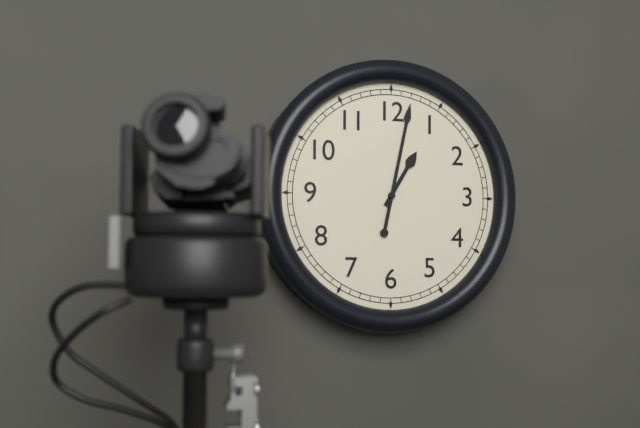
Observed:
{"hour": 1, "minute": 2}
